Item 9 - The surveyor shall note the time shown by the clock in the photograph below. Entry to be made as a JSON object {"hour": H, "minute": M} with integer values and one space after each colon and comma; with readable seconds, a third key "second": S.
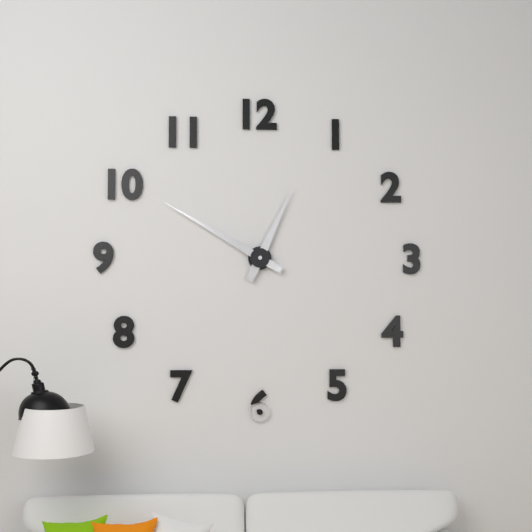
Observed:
{"hour": 12, "minute": 50}
